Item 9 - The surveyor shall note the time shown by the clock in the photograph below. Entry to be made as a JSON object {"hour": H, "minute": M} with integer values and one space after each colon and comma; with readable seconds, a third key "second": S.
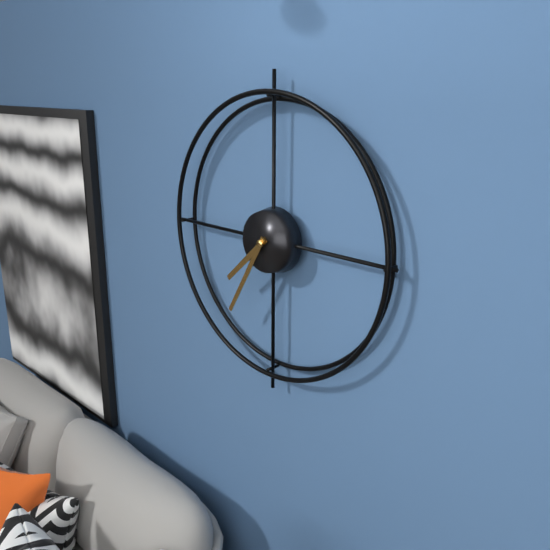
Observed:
{"hour": 7, "minute": 35}
